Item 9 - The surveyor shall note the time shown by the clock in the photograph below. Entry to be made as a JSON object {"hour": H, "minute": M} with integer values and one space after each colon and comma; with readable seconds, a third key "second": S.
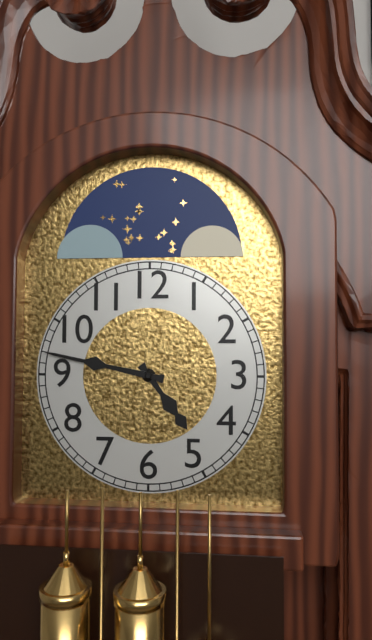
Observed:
{"hour": 4, "minute": 47}
